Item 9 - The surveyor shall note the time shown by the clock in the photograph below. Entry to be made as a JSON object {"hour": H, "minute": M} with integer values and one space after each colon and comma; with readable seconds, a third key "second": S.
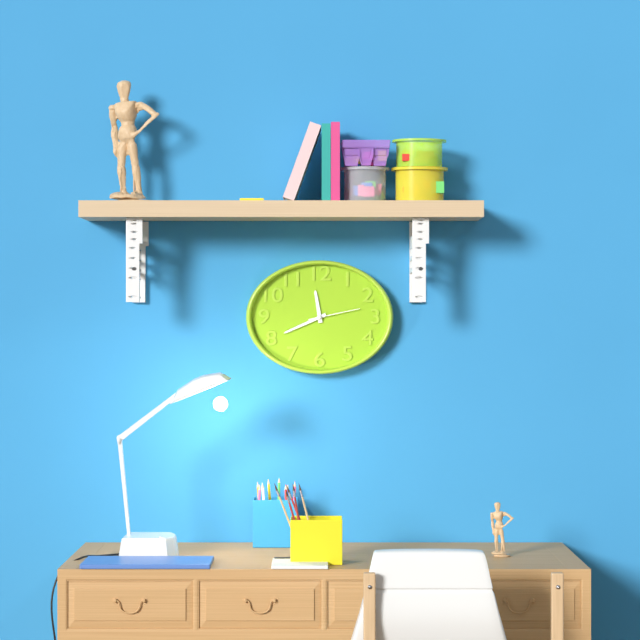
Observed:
{"hour": 11, "minute": 41, "second": 13}
